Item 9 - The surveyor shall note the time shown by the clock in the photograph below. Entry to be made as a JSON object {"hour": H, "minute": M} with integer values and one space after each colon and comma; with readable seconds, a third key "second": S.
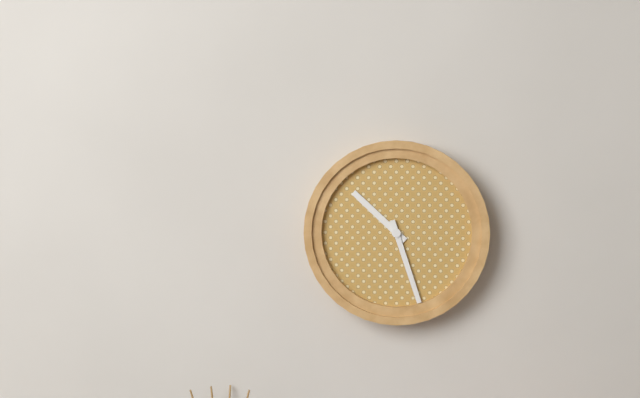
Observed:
{"hour": 10, "minute": 27}
